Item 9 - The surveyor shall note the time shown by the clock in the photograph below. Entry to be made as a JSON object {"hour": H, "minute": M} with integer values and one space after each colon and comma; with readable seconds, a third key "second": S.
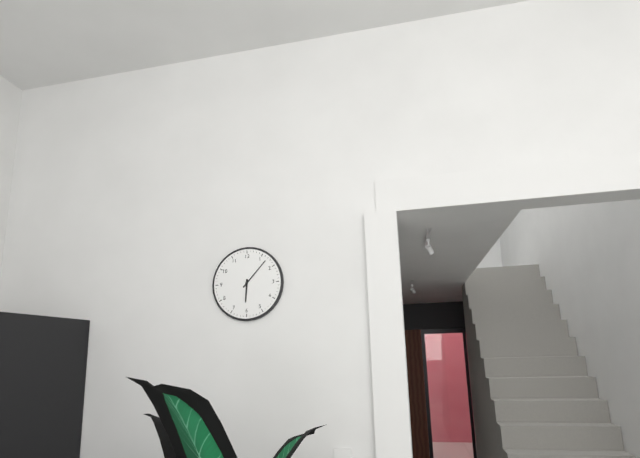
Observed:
{"hour": 6, "minute": 7}
